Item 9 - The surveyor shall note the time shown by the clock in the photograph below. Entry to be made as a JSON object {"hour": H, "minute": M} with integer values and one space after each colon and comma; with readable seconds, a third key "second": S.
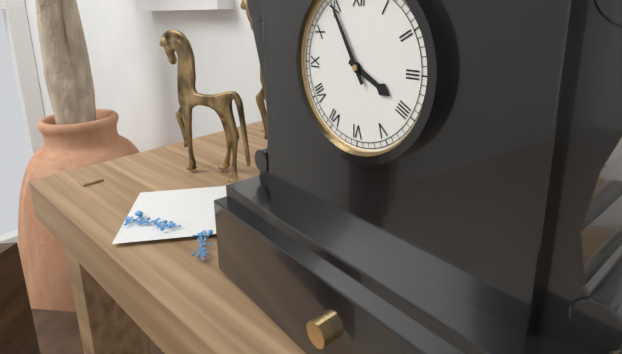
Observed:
{"hour": 3, "minute": 55}
